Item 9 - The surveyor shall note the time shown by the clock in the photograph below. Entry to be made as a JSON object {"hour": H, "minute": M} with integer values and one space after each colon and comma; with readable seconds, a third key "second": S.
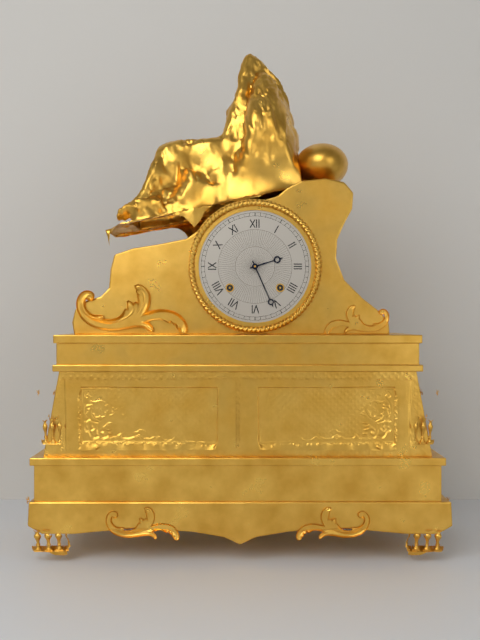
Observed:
{"hour": 2, "minute": 26}
